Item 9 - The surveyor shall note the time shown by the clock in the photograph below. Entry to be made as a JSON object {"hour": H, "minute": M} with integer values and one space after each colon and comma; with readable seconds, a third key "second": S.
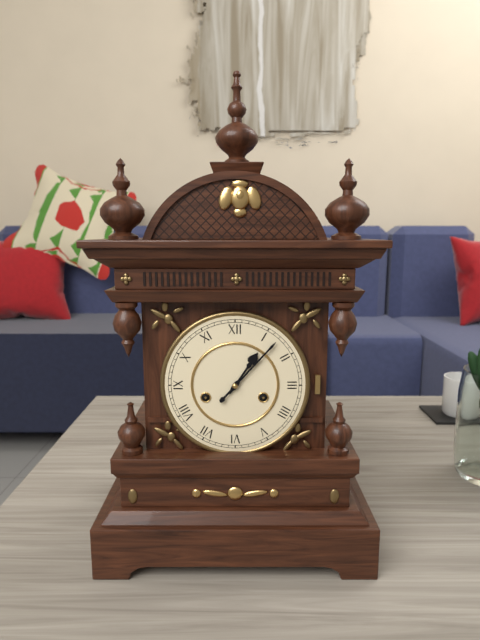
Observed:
{"hour": 1, "minute": 7}
